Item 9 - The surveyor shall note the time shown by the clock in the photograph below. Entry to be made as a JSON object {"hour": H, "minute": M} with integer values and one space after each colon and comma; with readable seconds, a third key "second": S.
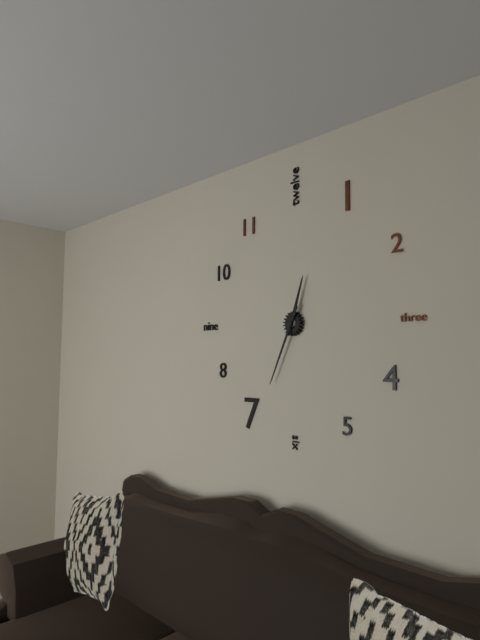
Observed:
{"hour": 12, "minute": 34}
